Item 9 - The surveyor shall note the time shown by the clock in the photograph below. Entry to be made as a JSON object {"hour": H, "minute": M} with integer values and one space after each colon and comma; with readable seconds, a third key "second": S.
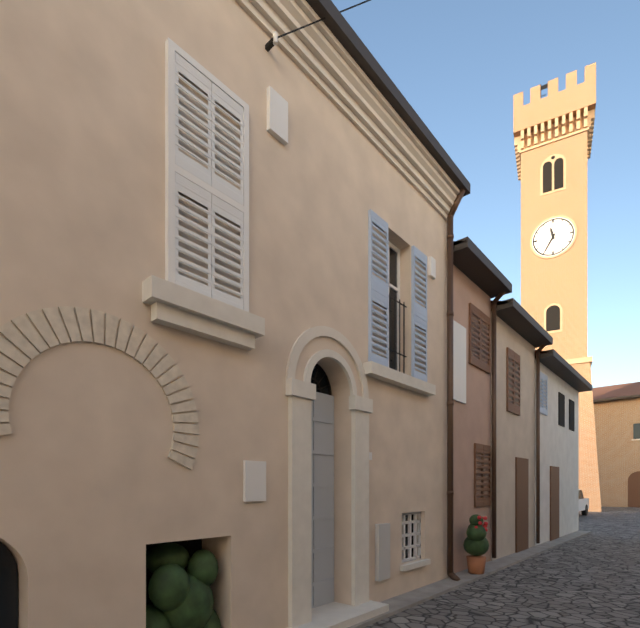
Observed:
{"hour": 11, "minute": 35}
